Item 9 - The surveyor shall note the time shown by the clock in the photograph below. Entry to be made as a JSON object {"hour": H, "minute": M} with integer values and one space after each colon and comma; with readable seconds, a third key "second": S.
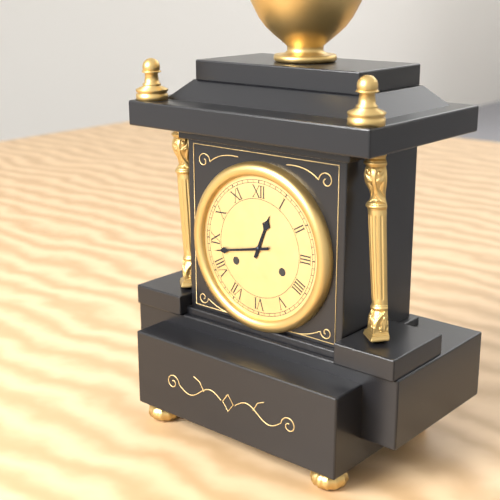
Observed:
{"hour": 12, "minute": 43}
